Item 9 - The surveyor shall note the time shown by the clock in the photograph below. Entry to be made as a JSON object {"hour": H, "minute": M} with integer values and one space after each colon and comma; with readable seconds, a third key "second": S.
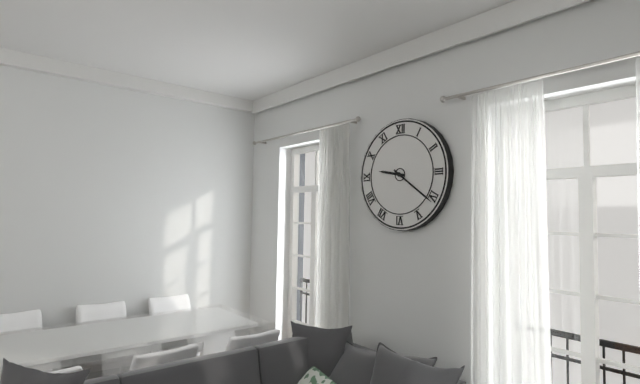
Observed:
{"hour": 9, "minute": 21}
